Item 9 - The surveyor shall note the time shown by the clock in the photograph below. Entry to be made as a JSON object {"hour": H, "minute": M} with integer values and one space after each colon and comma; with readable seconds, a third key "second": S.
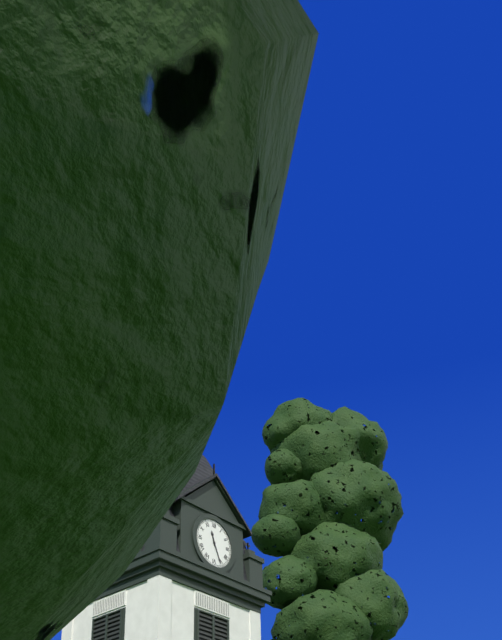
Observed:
{"hour": 11, "minute": 26}
